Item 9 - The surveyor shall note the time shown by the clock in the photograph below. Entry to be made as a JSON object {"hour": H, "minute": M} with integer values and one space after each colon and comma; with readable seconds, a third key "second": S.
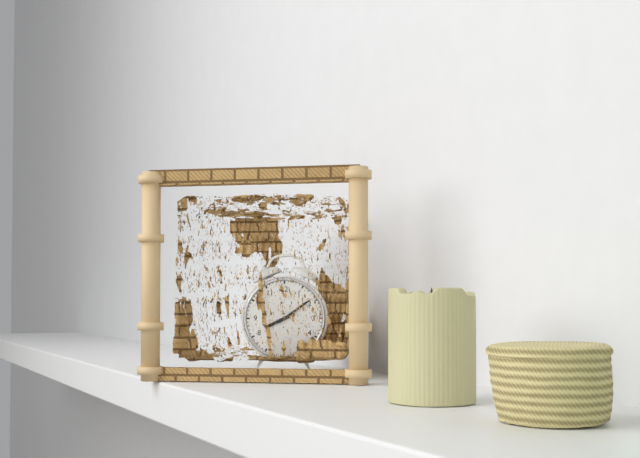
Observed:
{"hour": 8, "minute": 9}
